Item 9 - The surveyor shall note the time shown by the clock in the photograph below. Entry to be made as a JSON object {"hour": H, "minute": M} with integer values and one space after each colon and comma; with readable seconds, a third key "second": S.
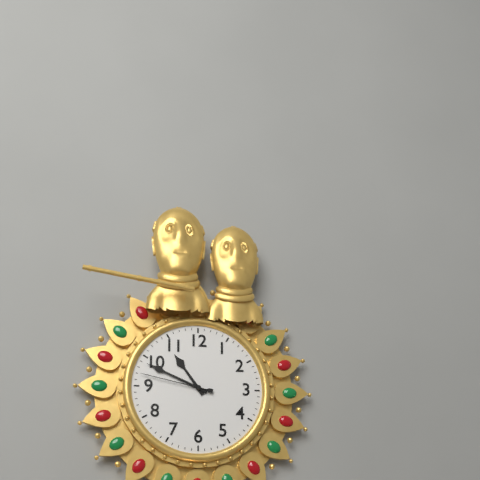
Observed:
{"hour": 10, "minute": 49, "second": 47}
